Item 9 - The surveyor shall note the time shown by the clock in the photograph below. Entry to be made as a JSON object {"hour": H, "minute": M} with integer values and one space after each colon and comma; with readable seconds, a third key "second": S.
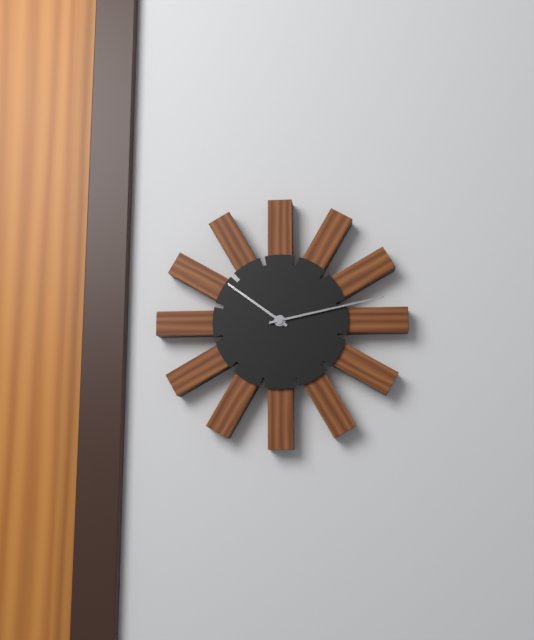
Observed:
{"hour": 10, "minute": 13}
